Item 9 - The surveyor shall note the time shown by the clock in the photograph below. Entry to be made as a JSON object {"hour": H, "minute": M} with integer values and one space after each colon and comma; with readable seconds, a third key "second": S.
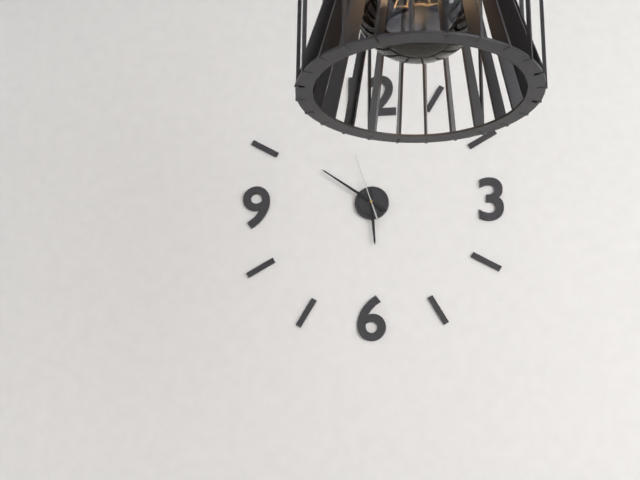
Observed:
{"hour": 5, "minute": 51, "second": 57}
